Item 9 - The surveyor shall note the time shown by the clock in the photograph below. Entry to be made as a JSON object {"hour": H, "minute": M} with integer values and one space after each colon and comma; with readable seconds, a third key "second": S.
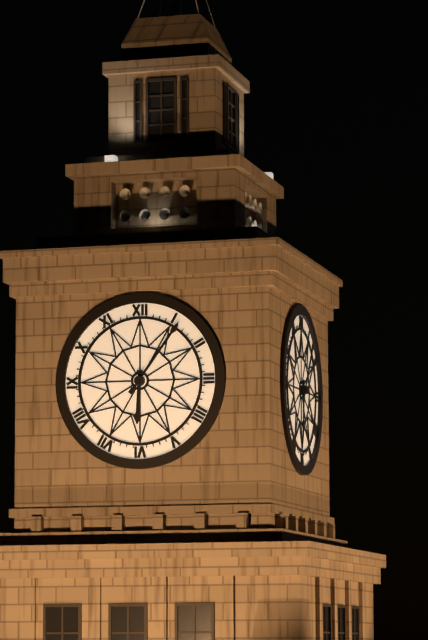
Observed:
{"hour": 6, "minute": 6}
